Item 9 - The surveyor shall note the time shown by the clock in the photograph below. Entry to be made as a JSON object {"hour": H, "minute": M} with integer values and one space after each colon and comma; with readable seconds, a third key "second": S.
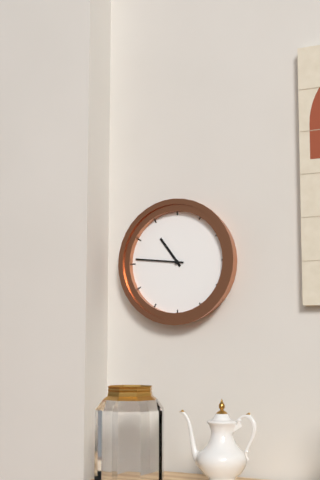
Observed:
{"hour": 10, "minute": 46}
